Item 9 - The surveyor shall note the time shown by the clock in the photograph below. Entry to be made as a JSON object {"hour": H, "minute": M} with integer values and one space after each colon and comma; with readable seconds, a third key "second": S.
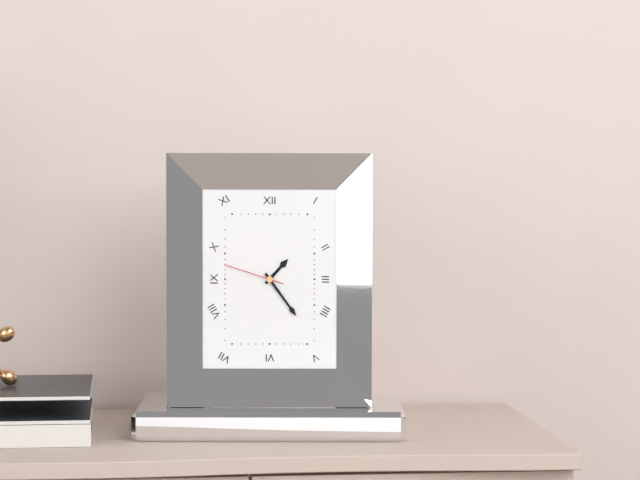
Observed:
{"hour": 1, "minute": 24, "second": 48}
